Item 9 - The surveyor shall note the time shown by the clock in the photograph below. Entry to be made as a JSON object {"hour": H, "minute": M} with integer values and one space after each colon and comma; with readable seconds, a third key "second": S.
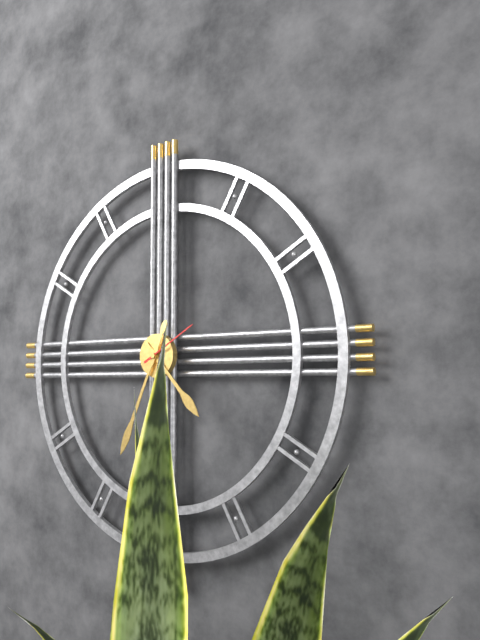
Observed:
{"hour": 4, "minute": 34, "second": 10}
